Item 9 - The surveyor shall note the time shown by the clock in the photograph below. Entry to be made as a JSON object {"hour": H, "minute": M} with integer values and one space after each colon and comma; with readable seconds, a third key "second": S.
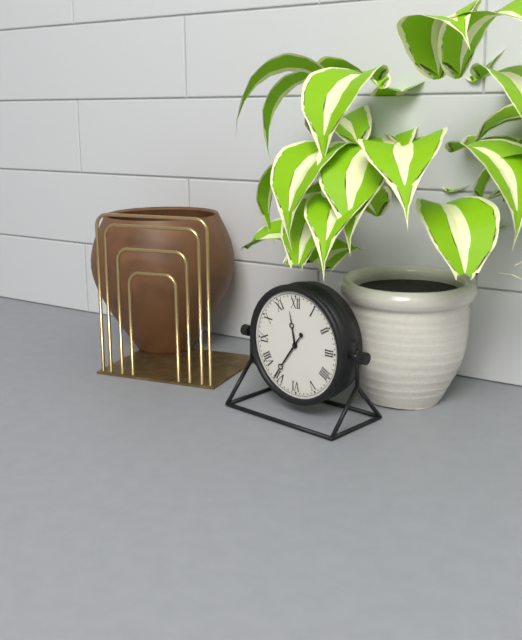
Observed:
{"hour": 11, "minute": 36}
